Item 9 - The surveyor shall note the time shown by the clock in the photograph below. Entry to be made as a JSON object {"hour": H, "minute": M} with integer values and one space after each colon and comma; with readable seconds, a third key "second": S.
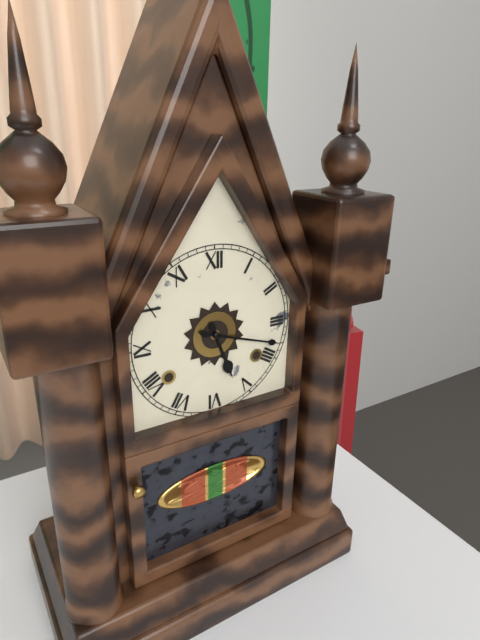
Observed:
{"hour": 5, "minute": 18}
